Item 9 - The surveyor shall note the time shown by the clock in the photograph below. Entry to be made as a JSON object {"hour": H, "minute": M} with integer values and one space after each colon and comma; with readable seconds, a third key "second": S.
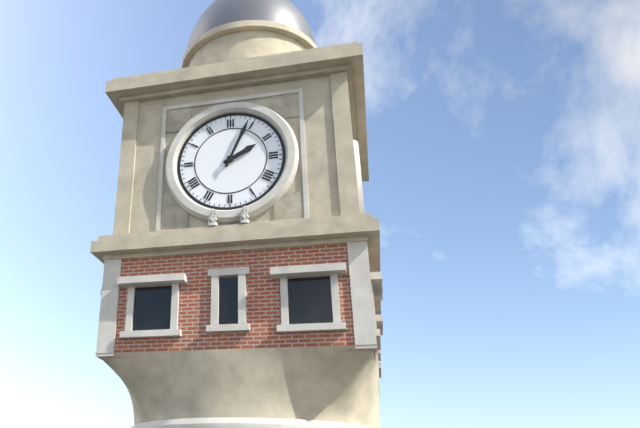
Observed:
{"hour": 2, "minute": 4}
